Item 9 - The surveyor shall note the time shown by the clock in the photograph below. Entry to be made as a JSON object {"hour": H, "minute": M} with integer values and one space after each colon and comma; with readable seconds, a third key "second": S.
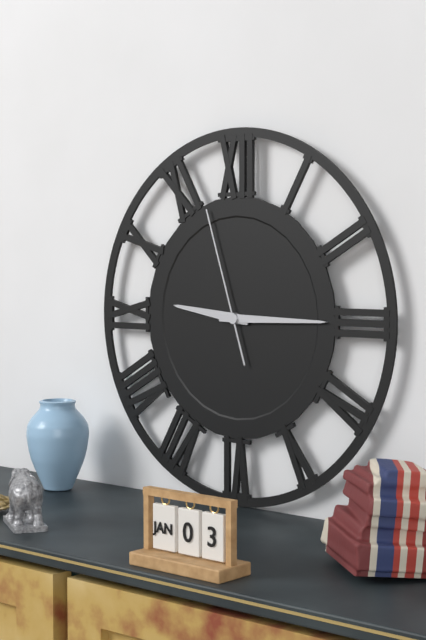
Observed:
{"hour": 9, "minute": 15, "second": 57}
